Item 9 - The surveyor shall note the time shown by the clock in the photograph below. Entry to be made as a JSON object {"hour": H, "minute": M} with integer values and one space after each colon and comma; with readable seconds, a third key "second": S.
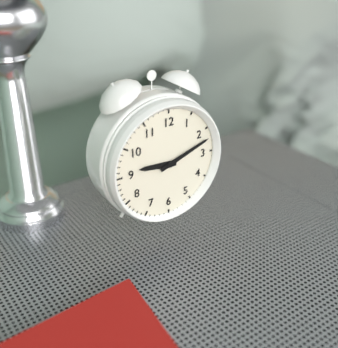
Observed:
{"hour": 9, "minute": 12}
